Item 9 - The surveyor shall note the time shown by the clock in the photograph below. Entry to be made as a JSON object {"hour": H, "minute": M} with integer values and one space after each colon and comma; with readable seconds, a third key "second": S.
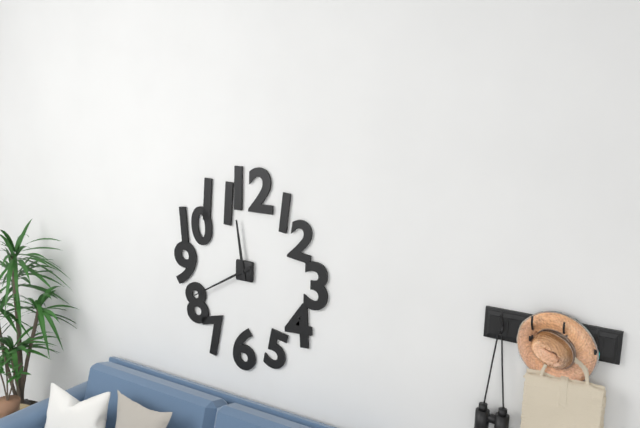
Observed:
{"hour": 11, "minute": 40}
